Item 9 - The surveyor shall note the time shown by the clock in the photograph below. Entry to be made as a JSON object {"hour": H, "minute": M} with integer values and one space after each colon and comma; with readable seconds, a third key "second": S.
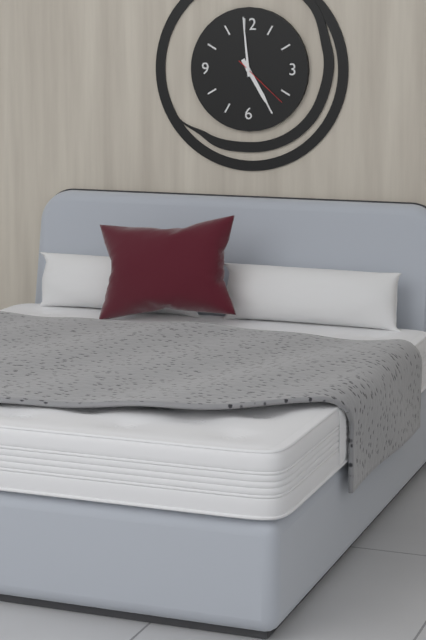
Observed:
{"hour": 4, "minute": 59, "second": 22}
